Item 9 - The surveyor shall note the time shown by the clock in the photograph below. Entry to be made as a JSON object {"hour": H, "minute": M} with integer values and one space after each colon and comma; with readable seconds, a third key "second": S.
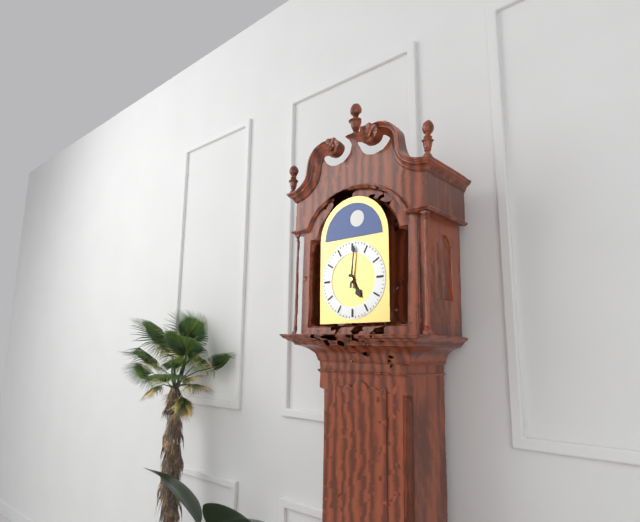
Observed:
{"hour": 5, "minute": 1}
